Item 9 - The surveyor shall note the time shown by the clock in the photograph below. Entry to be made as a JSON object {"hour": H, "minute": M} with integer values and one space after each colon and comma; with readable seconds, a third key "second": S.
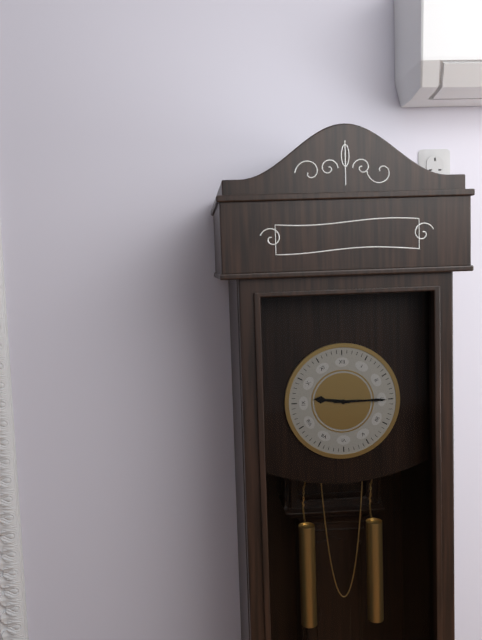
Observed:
{"hour": 9, "minute": 15}
